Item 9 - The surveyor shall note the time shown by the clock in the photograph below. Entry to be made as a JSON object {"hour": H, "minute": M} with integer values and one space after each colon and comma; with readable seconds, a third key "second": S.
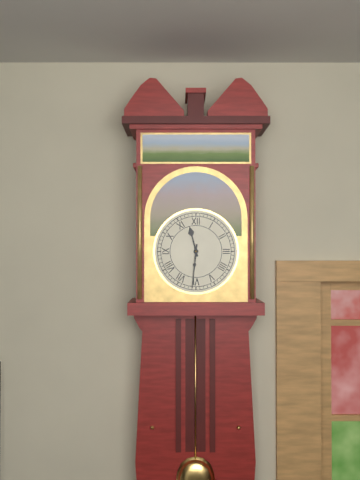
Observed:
{"hour": 11, "minute": 31}
